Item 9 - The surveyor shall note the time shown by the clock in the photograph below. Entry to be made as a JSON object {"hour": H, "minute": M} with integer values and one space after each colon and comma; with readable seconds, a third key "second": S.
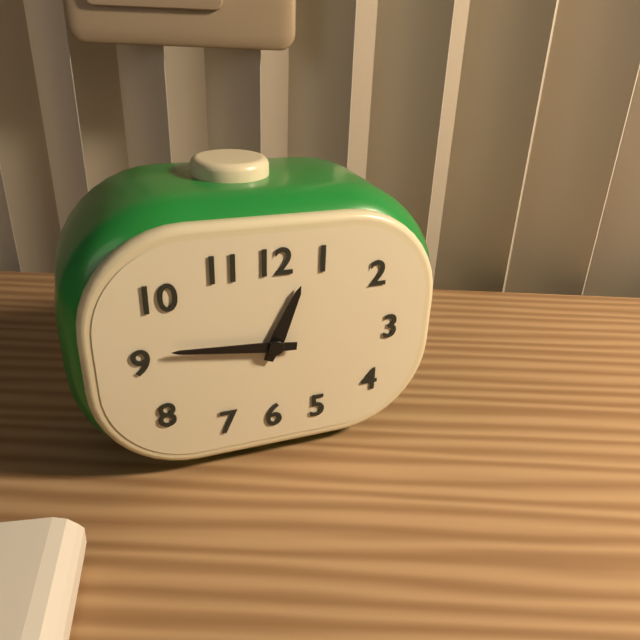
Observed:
{"hour": 12, "minute": 46}
